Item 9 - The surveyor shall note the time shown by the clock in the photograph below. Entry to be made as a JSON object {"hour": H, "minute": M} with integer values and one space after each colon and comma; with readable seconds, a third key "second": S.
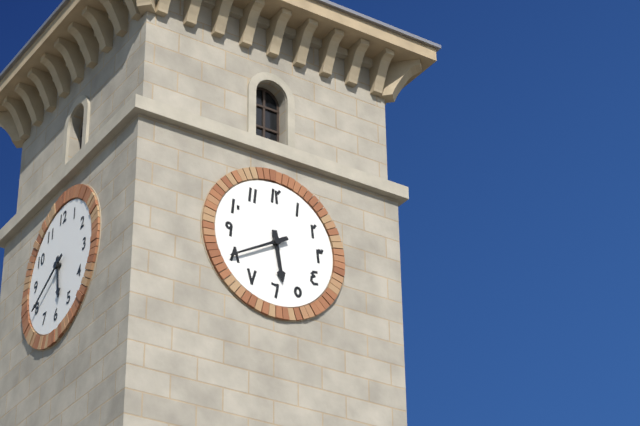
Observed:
{"hour": 5, "minute": 40}
